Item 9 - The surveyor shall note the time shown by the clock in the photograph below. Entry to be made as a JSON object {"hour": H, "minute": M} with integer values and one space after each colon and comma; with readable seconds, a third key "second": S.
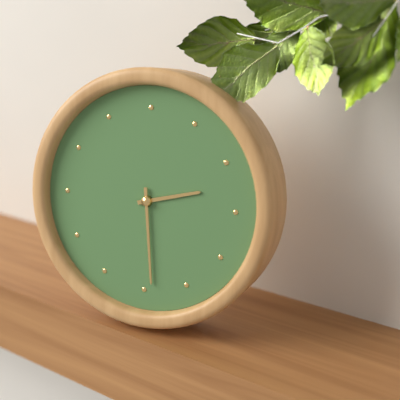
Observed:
{"hour": 2, "minute": 29}
